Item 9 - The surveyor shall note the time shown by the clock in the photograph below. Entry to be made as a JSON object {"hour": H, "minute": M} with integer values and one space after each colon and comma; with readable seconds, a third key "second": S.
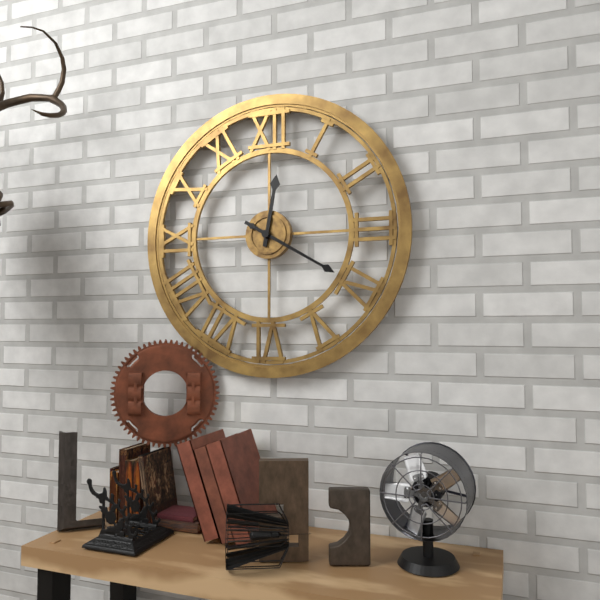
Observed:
{"hour": 12, "minute": 20}
